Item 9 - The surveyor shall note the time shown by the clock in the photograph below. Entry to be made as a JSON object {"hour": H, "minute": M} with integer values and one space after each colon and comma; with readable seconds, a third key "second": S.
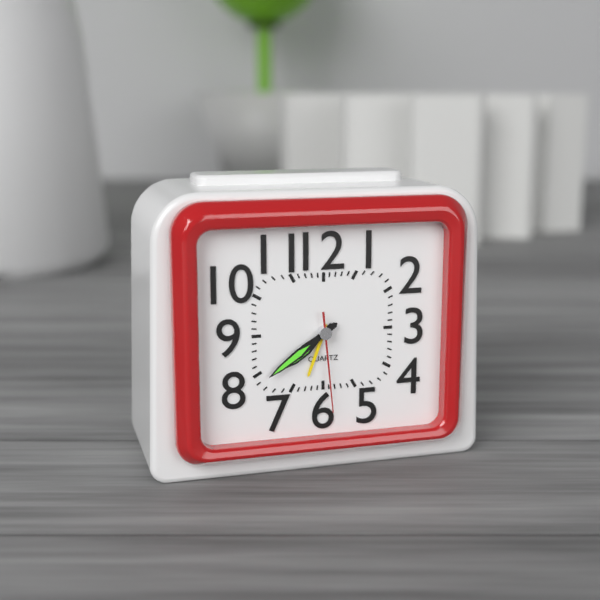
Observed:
{"hour": 7, "minute": 39, "second": 29}
